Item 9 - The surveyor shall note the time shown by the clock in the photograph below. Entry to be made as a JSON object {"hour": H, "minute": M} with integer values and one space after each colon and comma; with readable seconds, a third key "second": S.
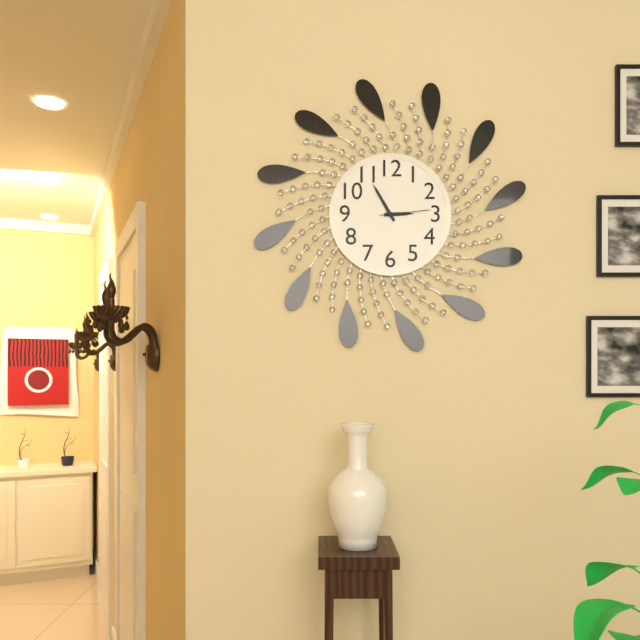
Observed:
{"hour": 2, "minute": 55, "second": 14}
